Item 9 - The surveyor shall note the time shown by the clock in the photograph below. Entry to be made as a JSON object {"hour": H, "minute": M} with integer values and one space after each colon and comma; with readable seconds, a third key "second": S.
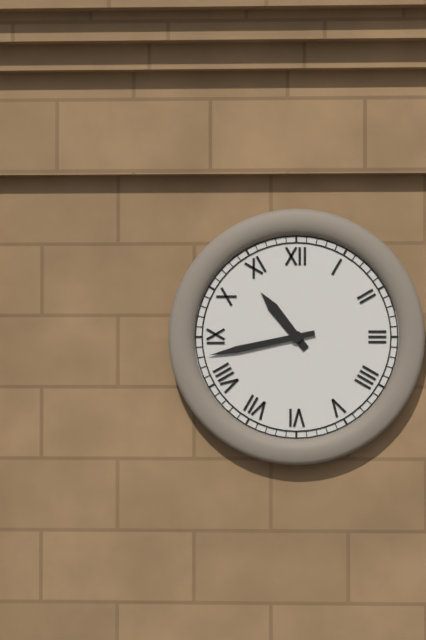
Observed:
{"hour": 10, "minute": 43}
